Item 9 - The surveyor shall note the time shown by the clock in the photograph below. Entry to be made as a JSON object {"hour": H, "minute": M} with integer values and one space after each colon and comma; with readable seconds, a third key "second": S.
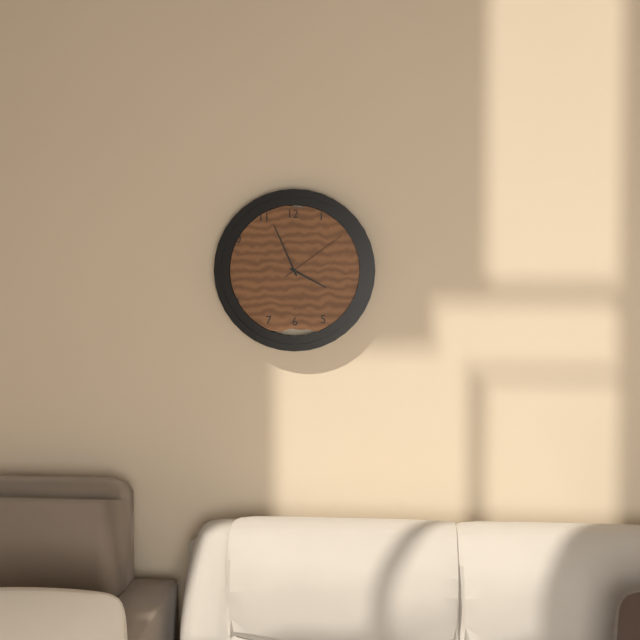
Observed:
{"hour": 3, "minute": 56, "second": 9}
